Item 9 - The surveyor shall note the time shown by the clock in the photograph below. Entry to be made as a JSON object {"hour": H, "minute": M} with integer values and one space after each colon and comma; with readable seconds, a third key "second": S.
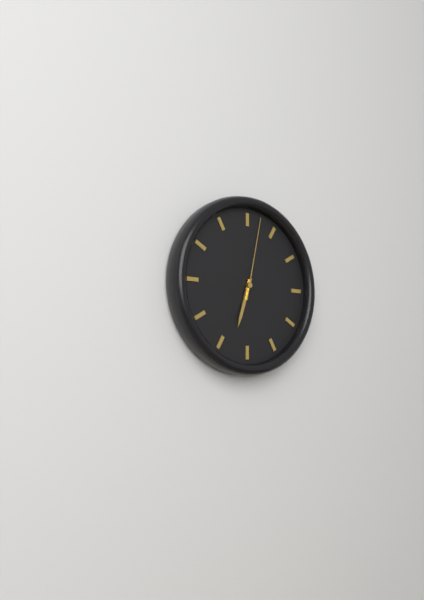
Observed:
{"hour": 6, "minute": 33, "second": 2}
